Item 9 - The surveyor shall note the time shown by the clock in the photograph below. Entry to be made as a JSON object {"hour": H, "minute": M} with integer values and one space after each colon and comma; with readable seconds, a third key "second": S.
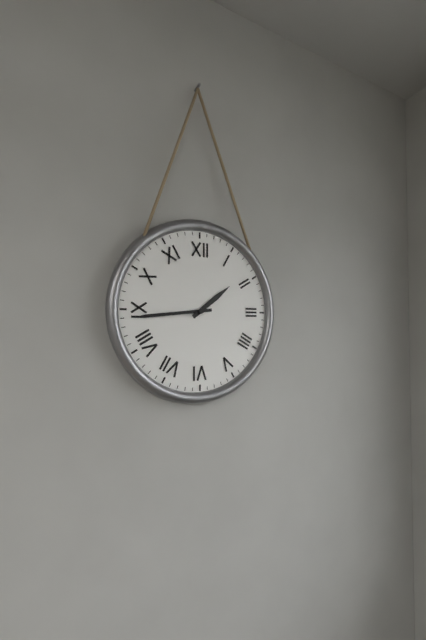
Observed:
{"hour": 1, "minute": 44}
